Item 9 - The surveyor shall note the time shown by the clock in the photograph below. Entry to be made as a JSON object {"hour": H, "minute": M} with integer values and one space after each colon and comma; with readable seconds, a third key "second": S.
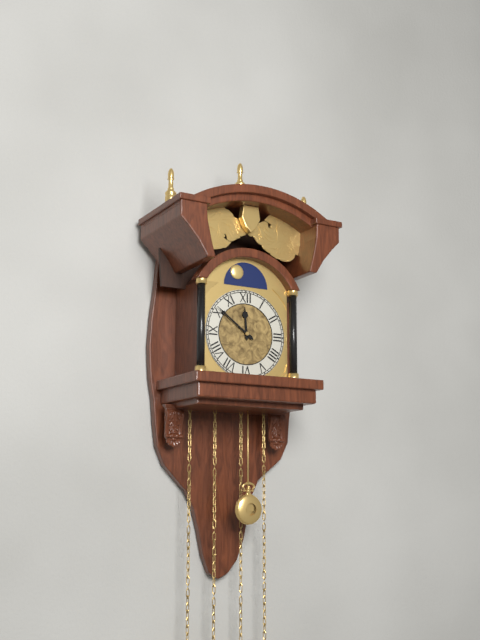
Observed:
{"hour": 11, "minute": 51}
